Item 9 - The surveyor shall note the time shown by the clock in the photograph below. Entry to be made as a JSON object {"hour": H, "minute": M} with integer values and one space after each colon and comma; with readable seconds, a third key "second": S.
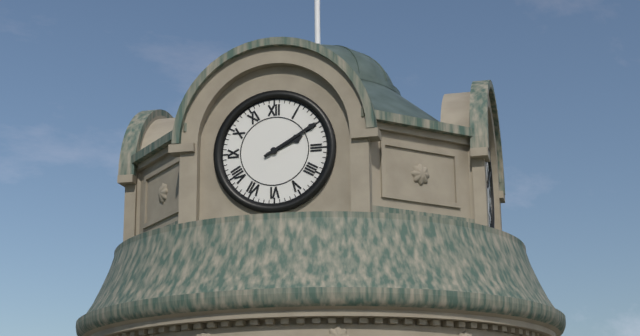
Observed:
{"hour": 2, "minute": 10}
